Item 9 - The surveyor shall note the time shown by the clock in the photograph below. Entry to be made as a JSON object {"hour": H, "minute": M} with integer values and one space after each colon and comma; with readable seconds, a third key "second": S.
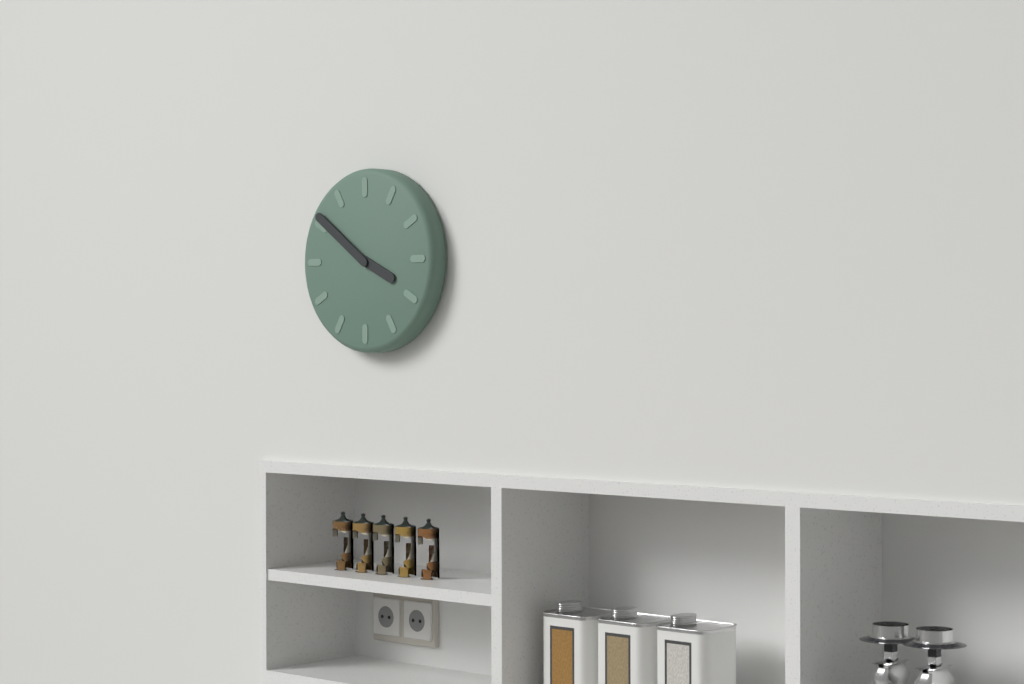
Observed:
{"hour": 3, "minute": 51}
